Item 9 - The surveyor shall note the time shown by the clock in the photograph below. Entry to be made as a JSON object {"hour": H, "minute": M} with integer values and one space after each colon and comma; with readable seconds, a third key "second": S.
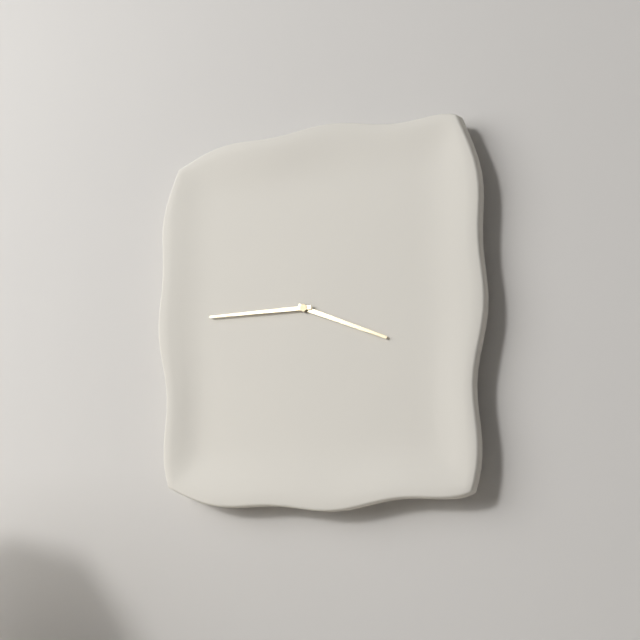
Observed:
{"hour": 3, "minute": 45}
